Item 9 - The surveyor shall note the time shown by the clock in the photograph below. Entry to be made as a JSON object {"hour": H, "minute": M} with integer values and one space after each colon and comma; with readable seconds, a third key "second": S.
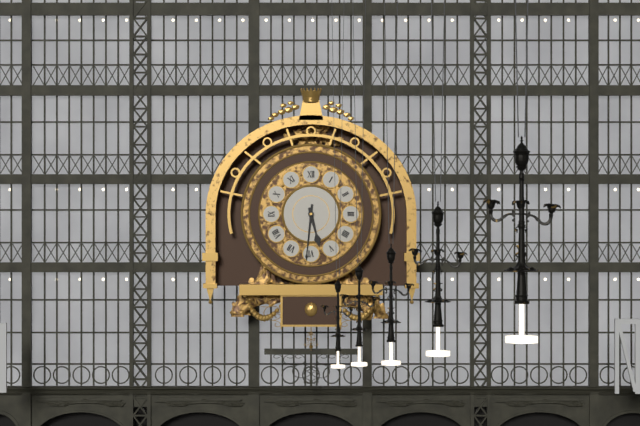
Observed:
{"hour": 5, "minute": 31}
